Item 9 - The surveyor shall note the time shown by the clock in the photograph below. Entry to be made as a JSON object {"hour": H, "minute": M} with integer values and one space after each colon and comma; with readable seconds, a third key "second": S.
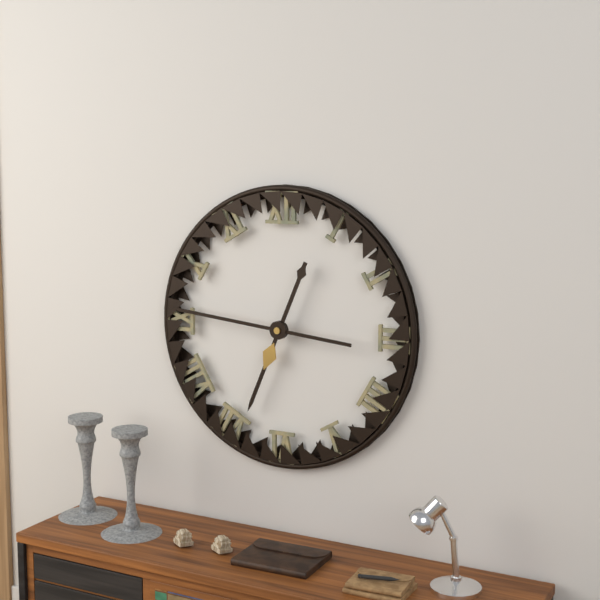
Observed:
{"hour": 6, "minute": 46}
